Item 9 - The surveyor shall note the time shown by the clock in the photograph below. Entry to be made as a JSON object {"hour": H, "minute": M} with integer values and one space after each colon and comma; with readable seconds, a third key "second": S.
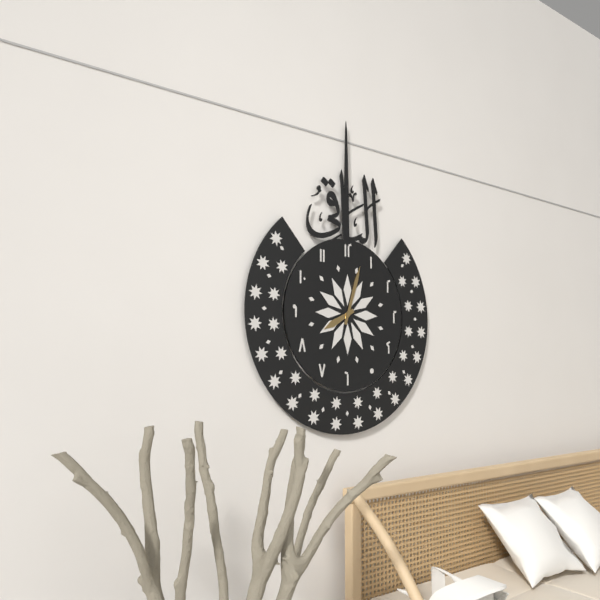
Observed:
{"hour": 8, "minute": 3}
